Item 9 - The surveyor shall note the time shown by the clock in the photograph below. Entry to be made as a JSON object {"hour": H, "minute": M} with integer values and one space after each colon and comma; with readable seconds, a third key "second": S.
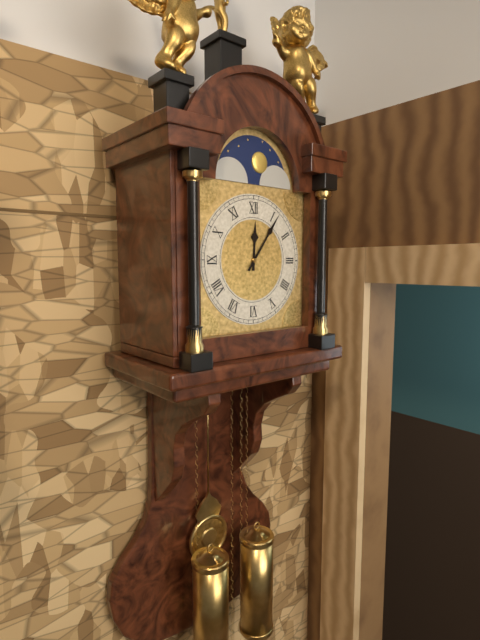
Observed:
{"hour": 12, "minute": 6}
